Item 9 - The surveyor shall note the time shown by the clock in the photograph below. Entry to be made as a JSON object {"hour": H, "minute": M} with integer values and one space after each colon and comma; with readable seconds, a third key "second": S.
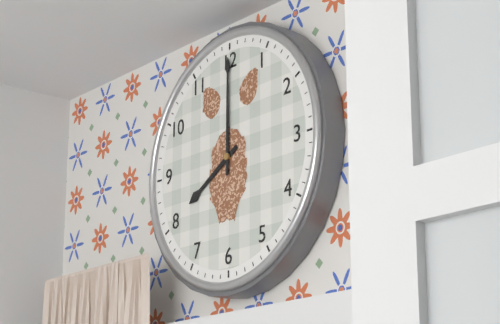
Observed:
{"hour": 8, "minute": 0}
